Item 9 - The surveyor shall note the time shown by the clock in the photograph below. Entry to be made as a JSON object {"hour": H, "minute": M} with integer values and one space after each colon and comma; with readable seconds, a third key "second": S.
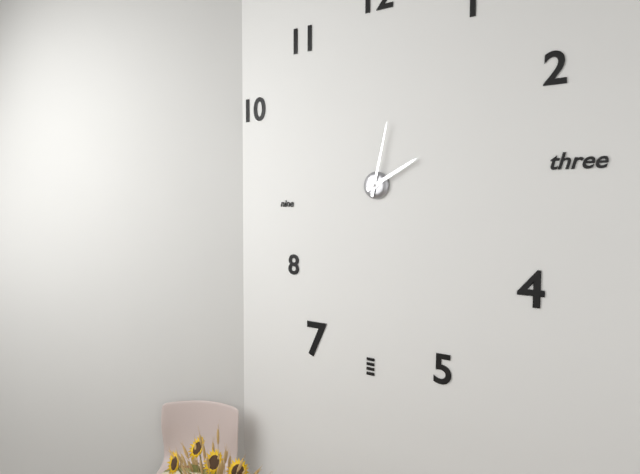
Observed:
{"hour": 2, "minute": 2}
